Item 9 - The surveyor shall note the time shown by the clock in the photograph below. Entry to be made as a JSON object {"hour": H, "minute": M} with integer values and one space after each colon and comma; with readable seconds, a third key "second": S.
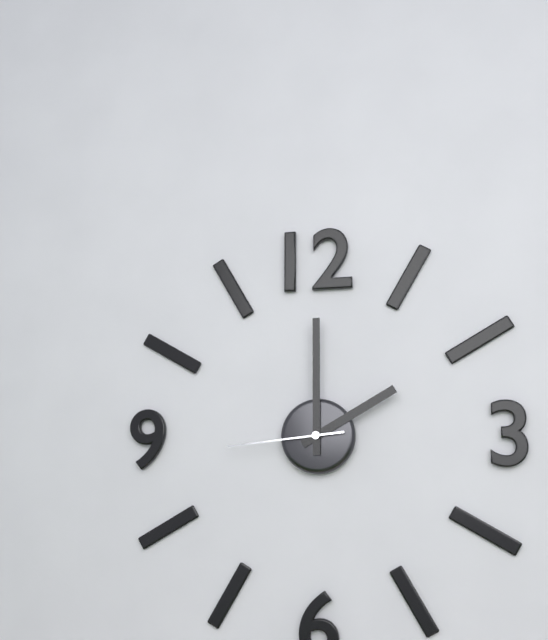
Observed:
{"hour": 2, "minute": 0, "second": 44}
